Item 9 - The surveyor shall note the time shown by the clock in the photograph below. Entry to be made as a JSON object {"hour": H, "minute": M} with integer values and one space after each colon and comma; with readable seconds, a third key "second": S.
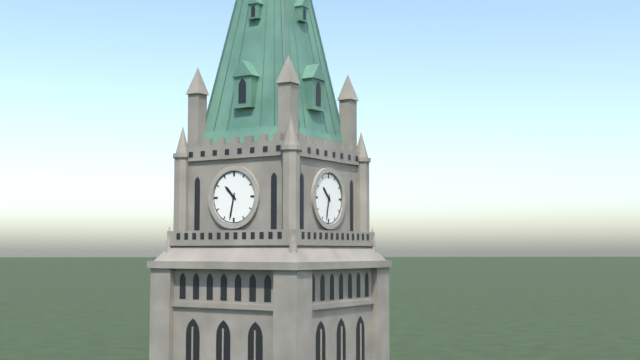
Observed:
{"hour": 10, "minute": 32}
